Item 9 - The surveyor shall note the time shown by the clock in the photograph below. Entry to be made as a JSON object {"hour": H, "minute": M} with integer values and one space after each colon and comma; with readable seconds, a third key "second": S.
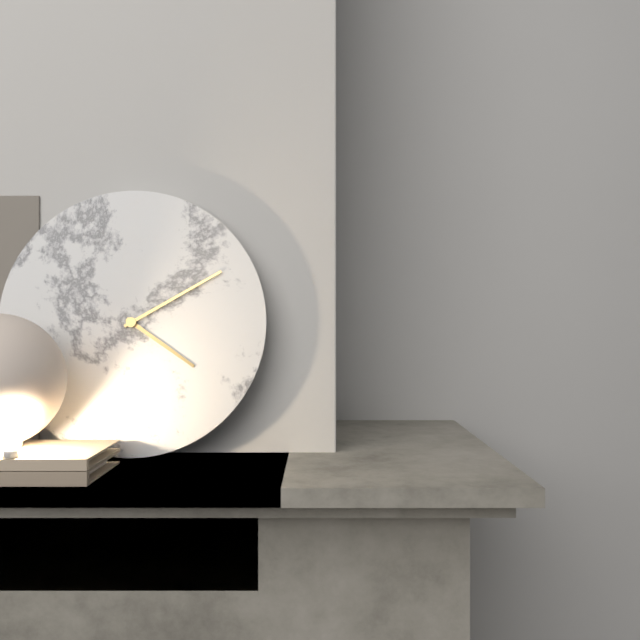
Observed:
{"hour": 4, "minute": 10}
